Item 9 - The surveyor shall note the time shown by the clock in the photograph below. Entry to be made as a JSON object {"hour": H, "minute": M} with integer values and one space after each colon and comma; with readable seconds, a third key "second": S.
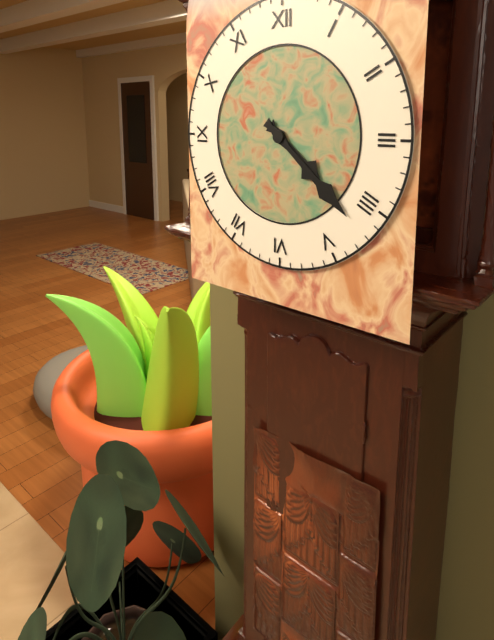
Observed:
{"hour": 4, "minute": 22}
